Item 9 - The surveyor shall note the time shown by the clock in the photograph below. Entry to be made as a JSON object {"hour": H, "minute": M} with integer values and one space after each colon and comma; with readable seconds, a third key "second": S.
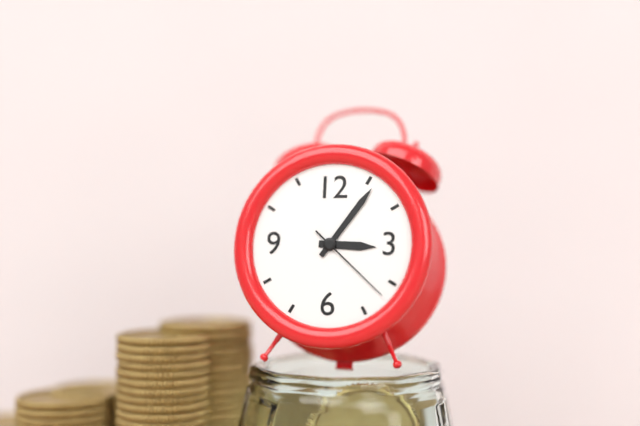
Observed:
{"hour": 3, "minute": 6, "second": 22}
